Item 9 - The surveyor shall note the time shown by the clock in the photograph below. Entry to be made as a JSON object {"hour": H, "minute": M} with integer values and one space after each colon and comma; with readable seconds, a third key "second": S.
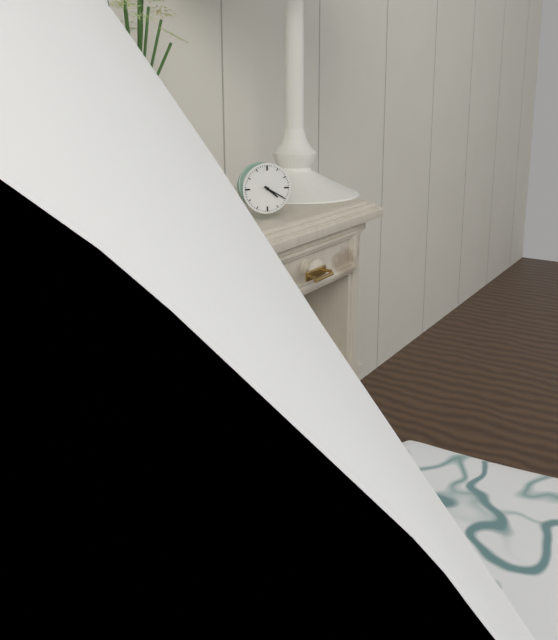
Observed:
{"hour": 4, "minute": 20}
